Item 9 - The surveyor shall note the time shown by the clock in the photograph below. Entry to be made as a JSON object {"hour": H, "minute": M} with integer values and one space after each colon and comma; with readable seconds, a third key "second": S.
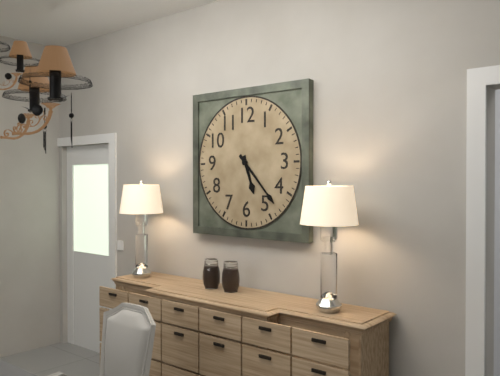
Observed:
{"hour": 5, "minute": 23}
